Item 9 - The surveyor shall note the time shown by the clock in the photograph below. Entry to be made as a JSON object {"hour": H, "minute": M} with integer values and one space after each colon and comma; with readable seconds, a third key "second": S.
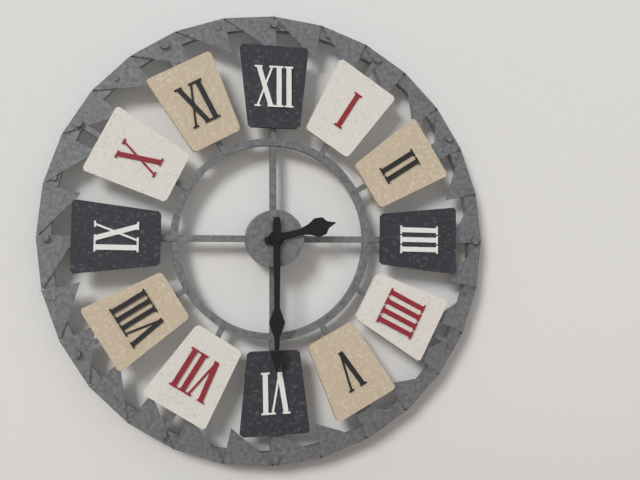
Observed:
{"hour": 2, "minute": 30}
